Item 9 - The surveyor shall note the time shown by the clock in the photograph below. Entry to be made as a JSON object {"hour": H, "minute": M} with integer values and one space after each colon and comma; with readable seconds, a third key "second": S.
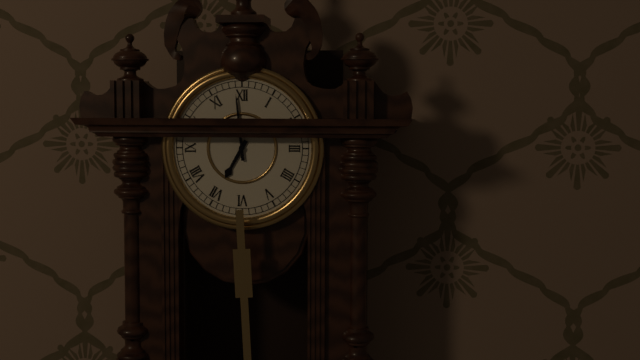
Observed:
{"hour": 6, "minute": 59}
